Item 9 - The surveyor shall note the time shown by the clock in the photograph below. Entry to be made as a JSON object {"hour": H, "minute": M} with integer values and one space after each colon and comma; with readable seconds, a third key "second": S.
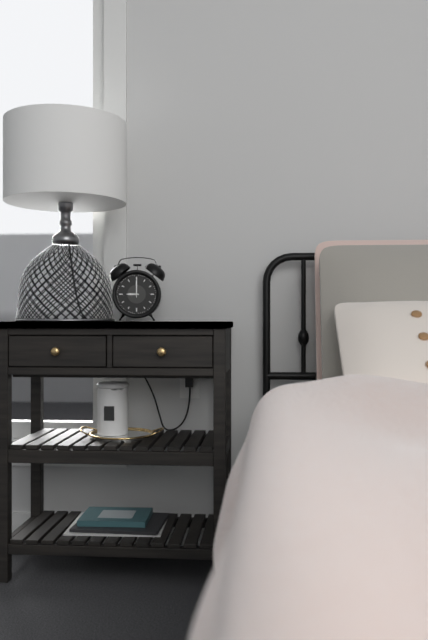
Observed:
{"hour": 9, "minute": 0}
